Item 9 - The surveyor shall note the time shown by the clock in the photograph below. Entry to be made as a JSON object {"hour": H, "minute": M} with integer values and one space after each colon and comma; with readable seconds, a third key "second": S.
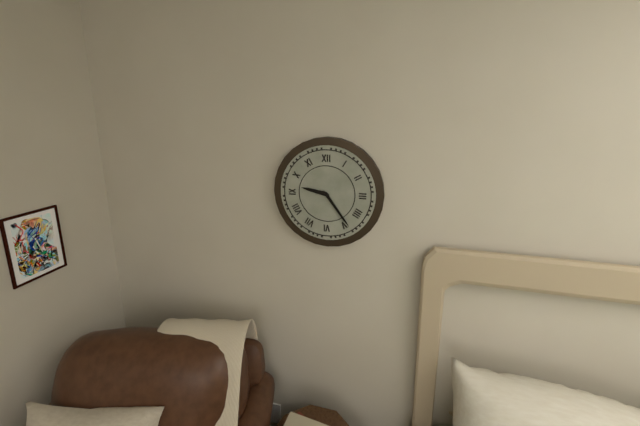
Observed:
{"hour": 9, "minute": 24}
